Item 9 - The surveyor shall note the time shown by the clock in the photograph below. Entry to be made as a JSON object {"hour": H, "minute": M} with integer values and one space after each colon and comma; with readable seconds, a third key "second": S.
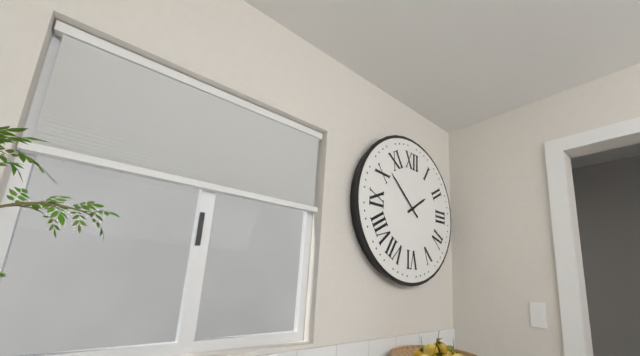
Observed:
{"hour": 1, "minute": 52}
